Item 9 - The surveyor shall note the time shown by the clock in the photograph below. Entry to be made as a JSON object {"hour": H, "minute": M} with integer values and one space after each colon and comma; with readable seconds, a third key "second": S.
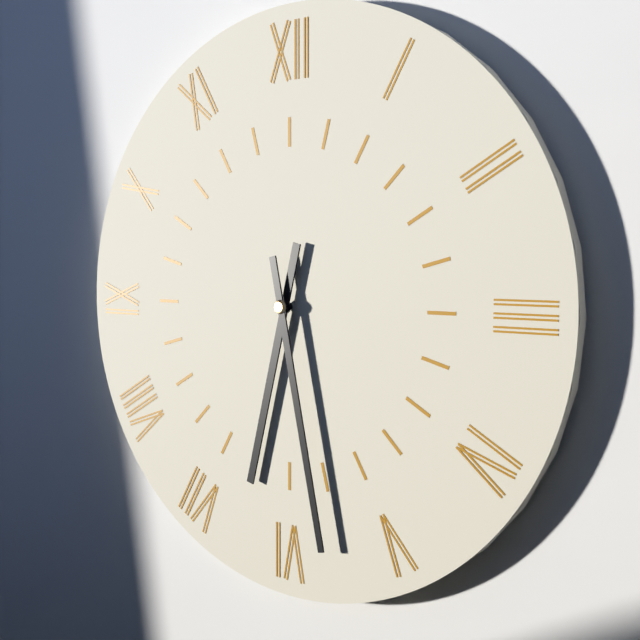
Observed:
{"hour": 6, "minute": 28}
